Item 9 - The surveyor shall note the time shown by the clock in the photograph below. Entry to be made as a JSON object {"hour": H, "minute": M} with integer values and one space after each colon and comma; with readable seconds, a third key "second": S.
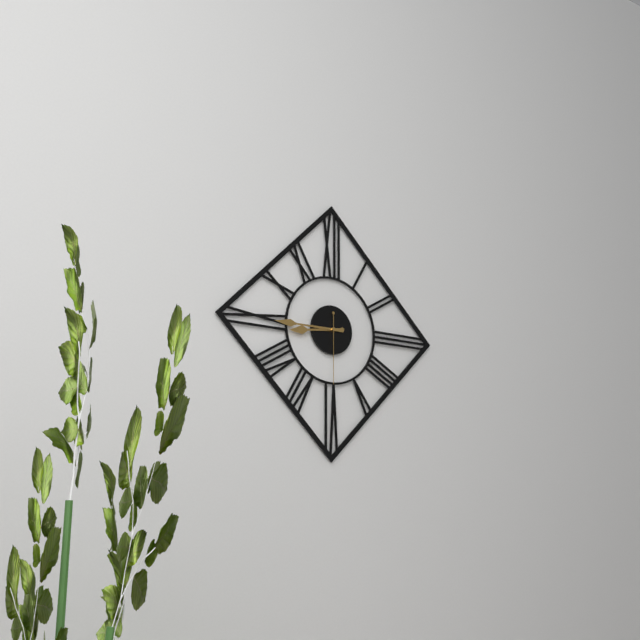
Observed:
{"hour": 8, "minute": 45, "second": 30}
